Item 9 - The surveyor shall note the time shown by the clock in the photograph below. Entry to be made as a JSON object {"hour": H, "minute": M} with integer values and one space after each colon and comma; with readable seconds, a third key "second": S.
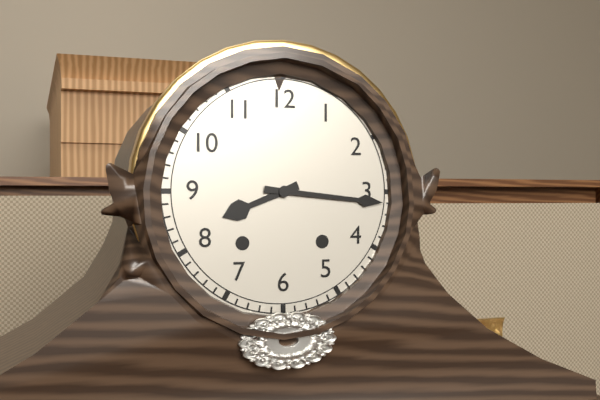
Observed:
{"hour": 8, "minute": 16}
